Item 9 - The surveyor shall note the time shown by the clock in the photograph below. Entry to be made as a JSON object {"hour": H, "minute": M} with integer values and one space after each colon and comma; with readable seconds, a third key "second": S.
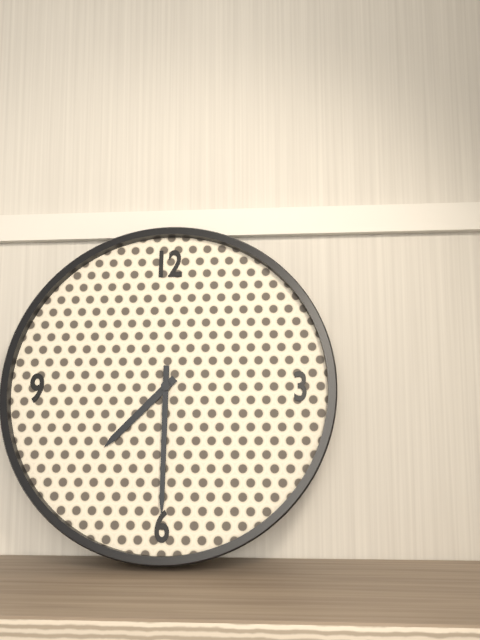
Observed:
{"hour": 7, "minute": 30}
